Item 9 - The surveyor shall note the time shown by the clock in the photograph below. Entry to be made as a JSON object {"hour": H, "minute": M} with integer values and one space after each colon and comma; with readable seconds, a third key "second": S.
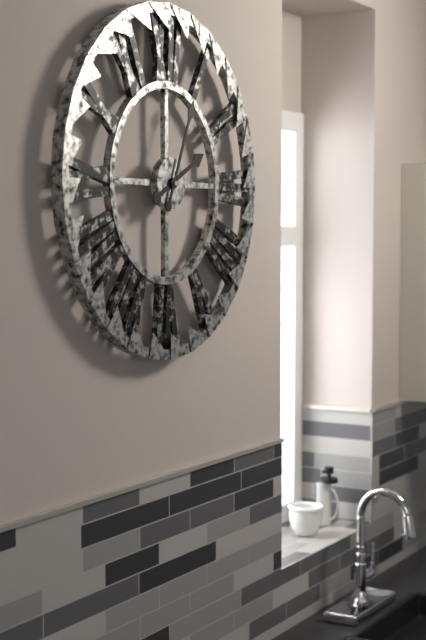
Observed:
{"hour": 2, "minute": 4}
